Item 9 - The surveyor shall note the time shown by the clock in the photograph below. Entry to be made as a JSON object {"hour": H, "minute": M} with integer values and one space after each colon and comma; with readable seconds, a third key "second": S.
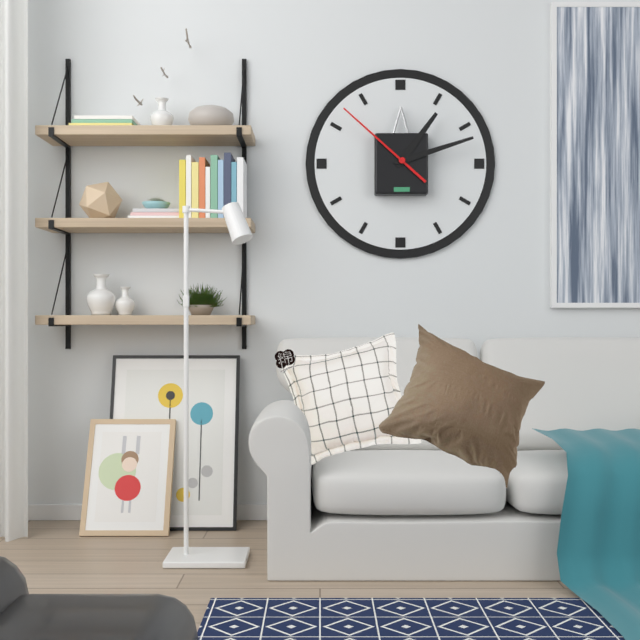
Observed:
{"hour": 1, "minute": 12, "second": 52}
